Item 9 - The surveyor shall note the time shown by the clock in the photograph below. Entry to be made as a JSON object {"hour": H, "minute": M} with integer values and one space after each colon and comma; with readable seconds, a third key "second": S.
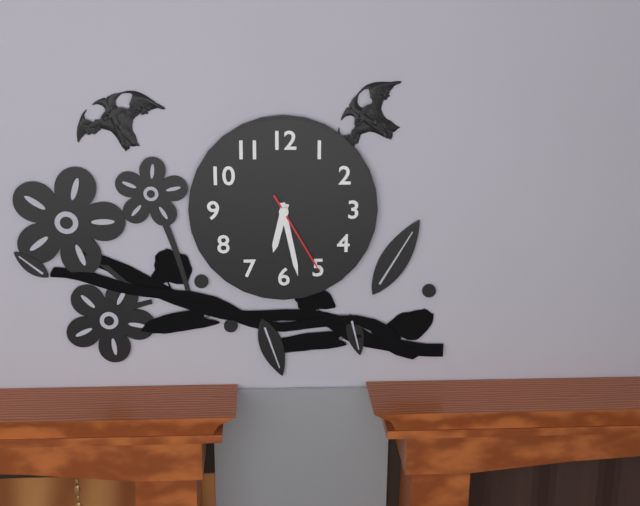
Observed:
{"hour": 6, "minute": 28, "second": 25}
